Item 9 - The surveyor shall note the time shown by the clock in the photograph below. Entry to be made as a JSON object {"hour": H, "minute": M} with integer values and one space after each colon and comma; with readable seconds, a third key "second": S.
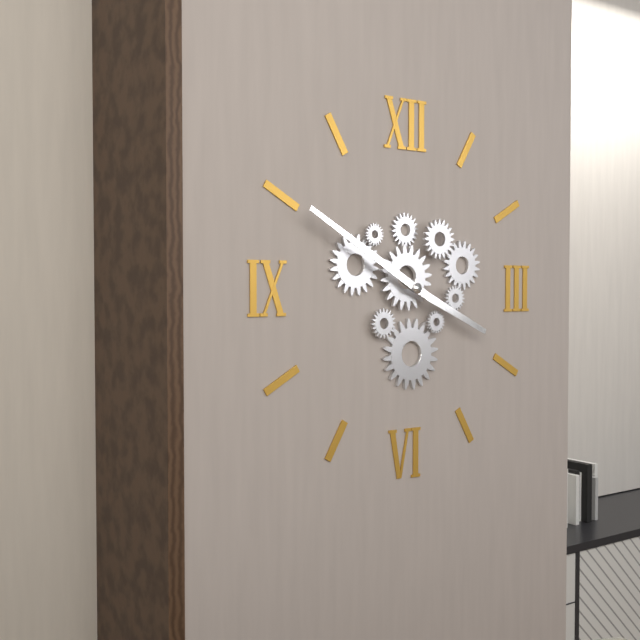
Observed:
{"hour": 3, "minute": 50}
